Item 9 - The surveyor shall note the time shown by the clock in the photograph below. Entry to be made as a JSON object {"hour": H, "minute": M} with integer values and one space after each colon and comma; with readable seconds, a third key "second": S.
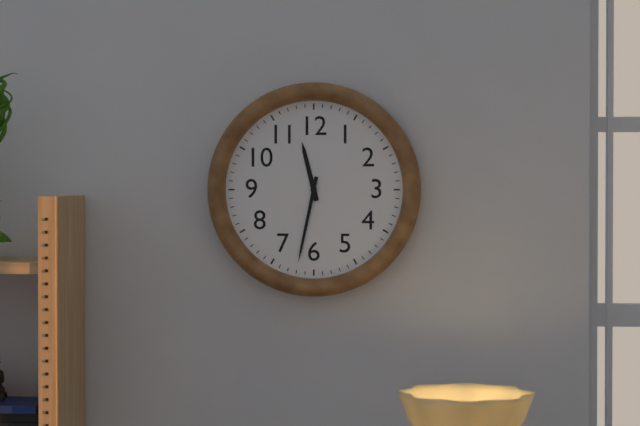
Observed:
{"hour": 11, "minute": 32}
